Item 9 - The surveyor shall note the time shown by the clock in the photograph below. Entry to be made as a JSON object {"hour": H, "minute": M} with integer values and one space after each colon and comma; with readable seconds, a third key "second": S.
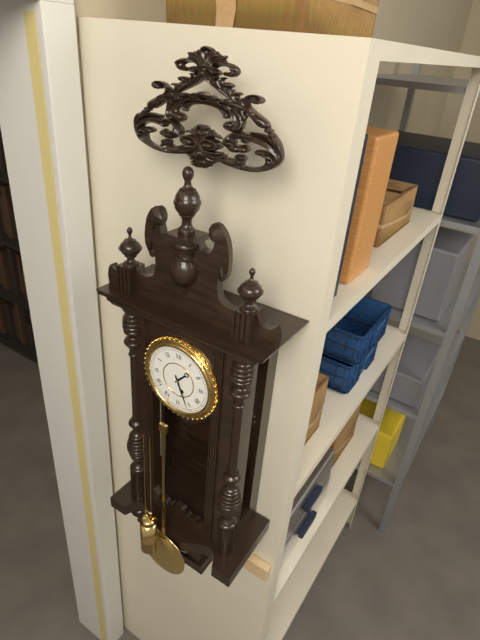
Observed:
{"hour": 1, "minute": 26}
